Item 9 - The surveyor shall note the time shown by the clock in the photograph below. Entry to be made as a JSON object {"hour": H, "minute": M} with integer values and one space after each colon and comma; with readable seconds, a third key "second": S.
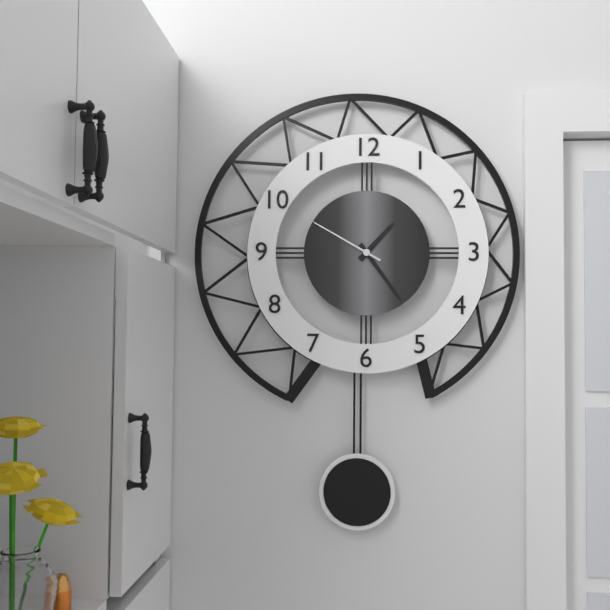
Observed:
{"hour": 1, "minute": 24, "second": 50}
